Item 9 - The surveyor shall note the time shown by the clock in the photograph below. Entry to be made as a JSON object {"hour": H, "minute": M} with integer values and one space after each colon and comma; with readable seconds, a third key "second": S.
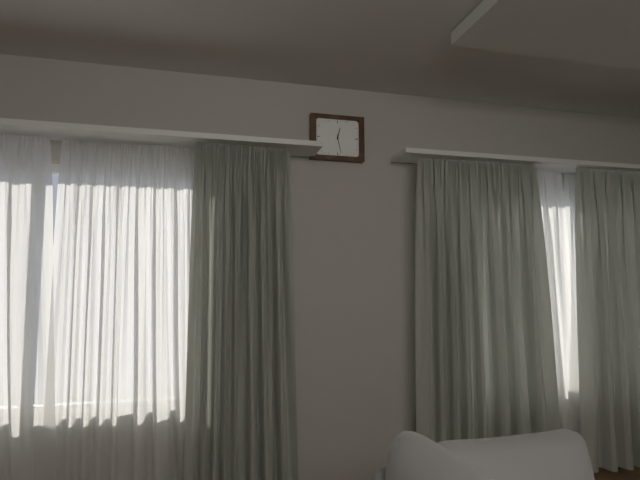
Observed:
{"hour": 12, "minute": 28}
